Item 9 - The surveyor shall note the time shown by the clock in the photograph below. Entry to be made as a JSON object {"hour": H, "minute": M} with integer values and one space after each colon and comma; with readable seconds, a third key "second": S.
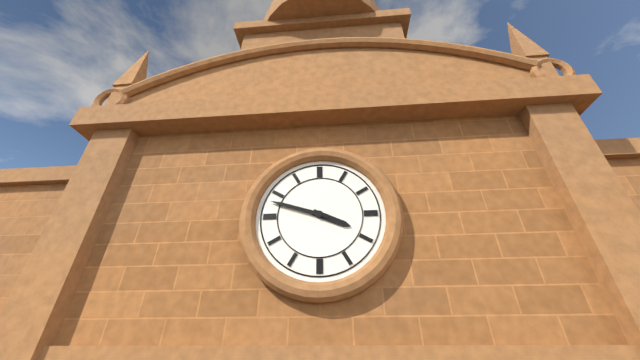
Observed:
{"hour": 3, "minute": 48}
